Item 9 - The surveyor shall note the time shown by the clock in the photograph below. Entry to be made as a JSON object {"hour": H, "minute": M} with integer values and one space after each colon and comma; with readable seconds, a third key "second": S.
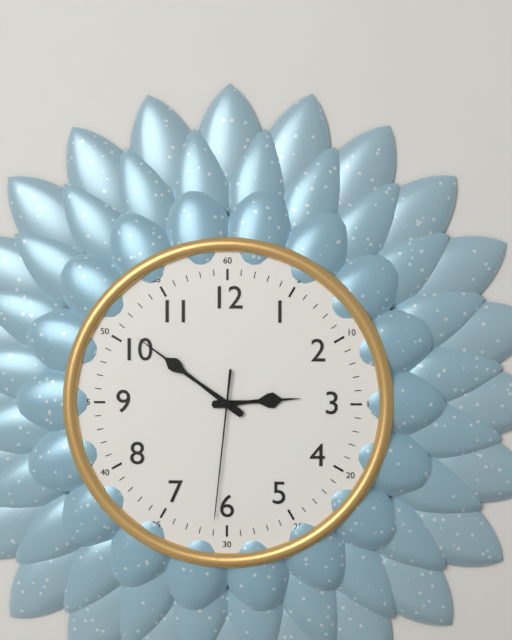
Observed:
{"hour": 2, "minute": 51, "second": 31}
